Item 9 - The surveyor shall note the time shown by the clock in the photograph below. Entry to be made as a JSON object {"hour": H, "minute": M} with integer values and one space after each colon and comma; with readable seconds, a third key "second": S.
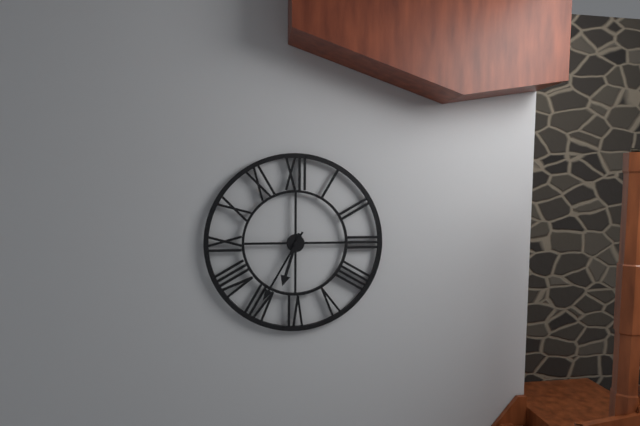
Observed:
{"hour": 6, "minute": 35}
